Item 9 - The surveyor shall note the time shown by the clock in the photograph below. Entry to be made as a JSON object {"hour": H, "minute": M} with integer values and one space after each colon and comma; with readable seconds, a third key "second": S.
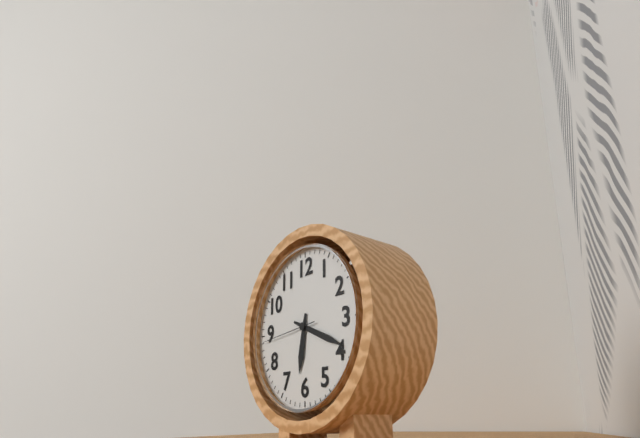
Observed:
{"hour": 6, "minute": 19, "second": 44}
